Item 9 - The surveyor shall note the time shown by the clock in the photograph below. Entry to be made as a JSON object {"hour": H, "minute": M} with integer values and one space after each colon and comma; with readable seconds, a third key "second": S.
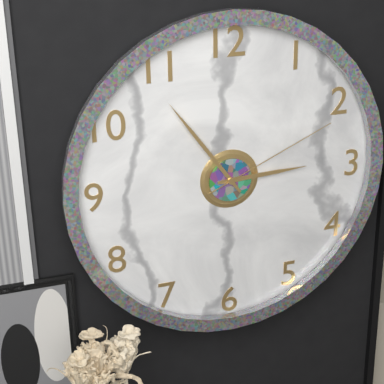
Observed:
{"hour": 2, "minute": 54, "second": 11}
